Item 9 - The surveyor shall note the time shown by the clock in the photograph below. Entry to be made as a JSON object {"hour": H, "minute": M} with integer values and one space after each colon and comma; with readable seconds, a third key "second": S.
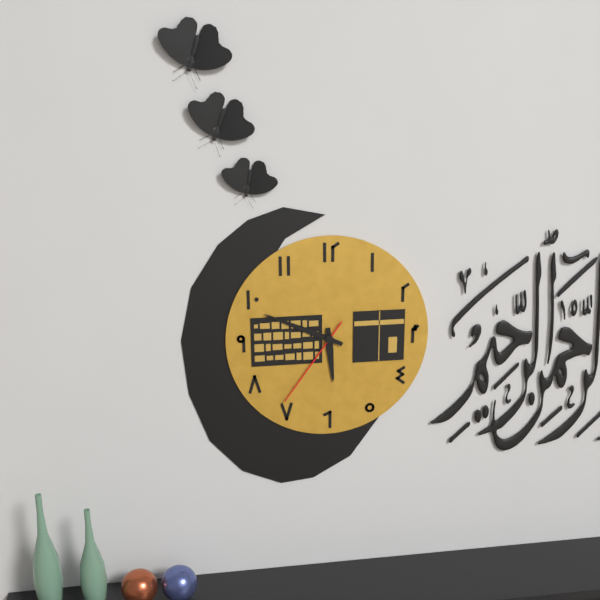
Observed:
{"hour": 5, "minute": 49, "second": 36}
